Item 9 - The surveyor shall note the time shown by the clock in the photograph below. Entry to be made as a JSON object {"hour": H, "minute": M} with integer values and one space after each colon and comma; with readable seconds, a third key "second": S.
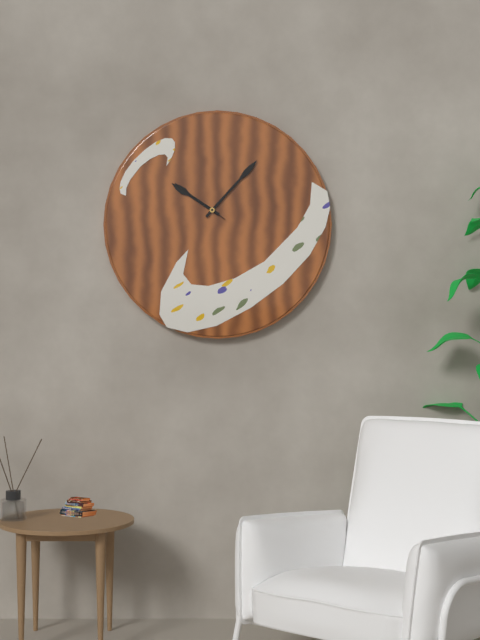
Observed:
{"hour": 10, "minute": 7, "second": 51}
